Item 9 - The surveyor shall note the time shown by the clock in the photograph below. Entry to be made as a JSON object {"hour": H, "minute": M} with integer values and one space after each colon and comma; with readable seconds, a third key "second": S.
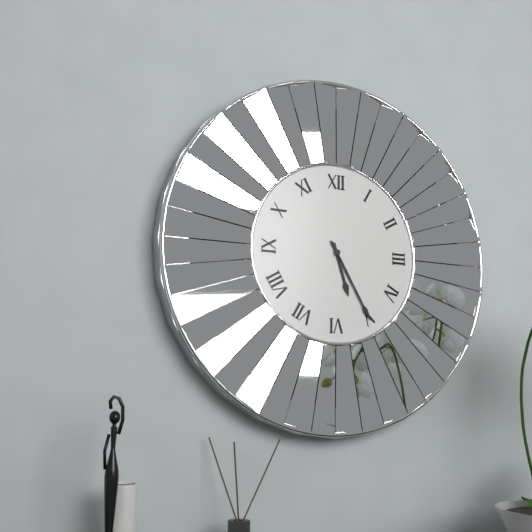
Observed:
{"hour": 5, "minute": 25}
